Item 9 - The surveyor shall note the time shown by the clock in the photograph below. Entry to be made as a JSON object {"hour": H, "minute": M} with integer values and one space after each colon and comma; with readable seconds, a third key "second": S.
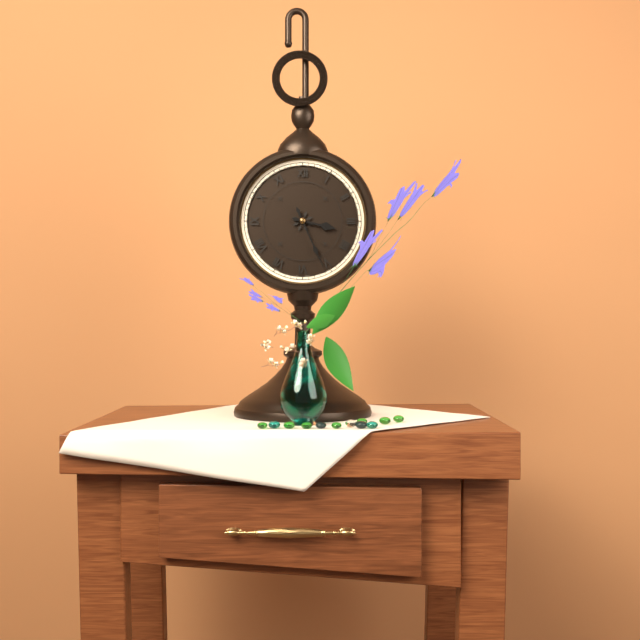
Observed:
{"hour": 3, "minute": 26}
